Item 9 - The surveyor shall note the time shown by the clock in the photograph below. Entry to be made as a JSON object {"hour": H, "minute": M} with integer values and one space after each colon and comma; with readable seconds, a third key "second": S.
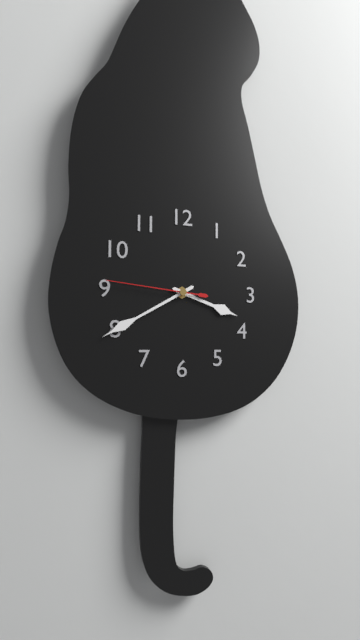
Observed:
{"hour": 3, "minute": 40, "second": 46}
